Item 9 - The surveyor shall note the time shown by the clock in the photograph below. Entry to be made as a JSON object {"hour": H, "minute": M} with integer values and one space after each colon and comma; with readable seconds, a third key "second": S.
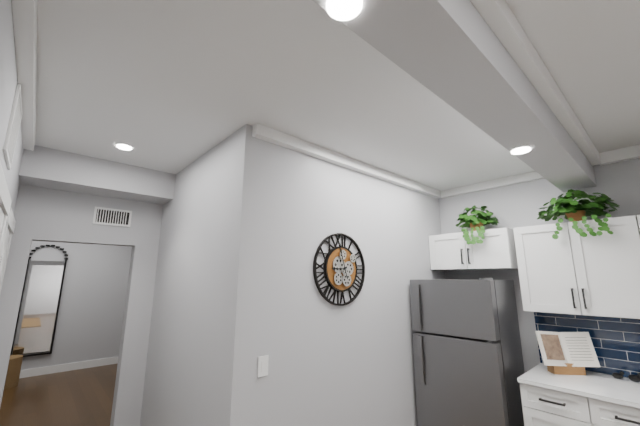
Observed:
{"hour": 8, "minute": 57}
